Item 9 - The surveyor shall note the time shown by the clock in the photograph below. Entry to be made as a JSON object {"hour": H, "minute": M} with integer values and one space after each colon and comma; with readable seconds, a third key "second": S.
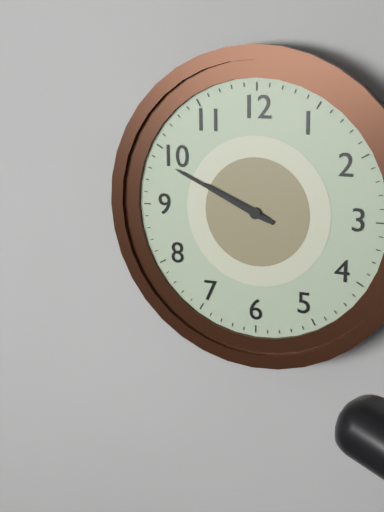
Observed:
{"hour": 9, "minute": 49}
